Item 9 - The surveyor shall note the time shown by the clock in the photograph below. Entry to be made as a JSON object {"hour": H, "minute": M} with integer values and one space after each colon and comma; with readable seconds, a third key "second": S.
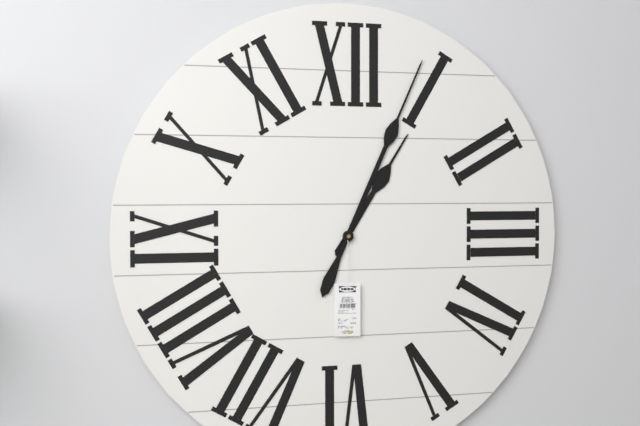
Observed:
{"hour": 1, "minute": 4}
